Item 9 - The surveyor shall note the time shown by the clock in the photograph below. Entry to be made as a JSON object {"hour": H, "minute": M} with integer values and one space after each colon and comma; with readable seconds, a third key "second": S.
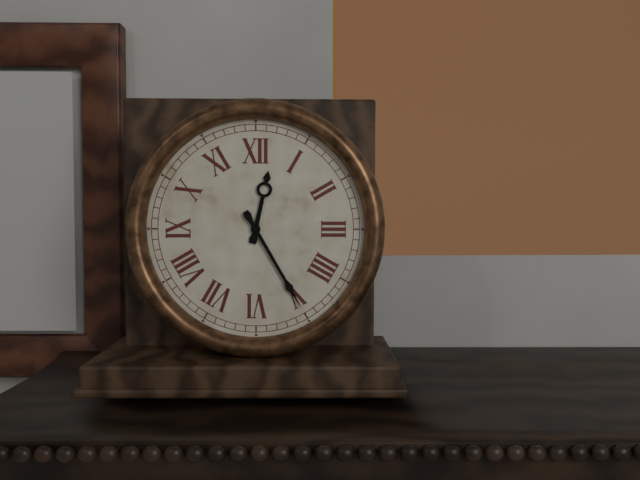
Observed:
{"hour": 12, "minute": 25}
